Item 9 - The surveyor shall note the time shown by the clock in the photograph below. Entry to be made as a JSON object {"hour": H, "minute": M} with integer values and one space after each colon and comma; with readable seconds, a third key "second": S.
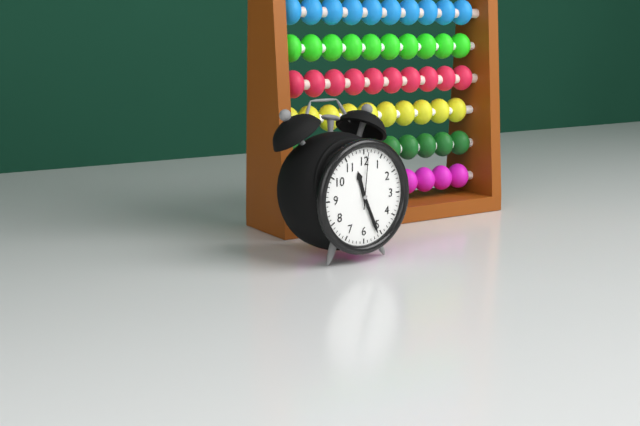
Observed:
{"hour": 11, "minute": 26, "second": 1}
